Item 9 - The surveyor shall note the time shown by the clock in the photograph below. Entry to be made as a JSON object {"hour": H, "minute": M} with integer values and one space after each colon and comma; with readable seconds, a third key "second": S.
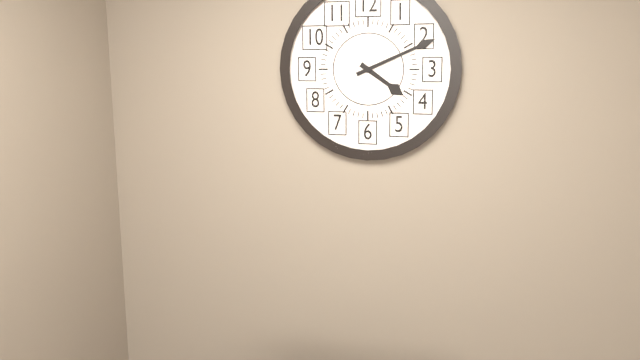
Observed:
{"hour": 4, "minute": 11}
